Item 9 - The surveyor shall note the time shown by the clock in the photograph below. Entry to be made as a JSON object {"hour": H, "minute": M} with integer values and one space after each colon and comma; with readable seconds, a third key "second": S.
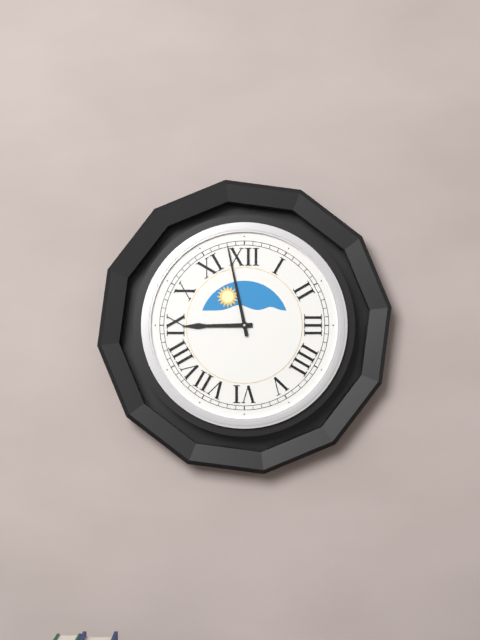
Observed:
{"hour": 8, "minute": 58}
